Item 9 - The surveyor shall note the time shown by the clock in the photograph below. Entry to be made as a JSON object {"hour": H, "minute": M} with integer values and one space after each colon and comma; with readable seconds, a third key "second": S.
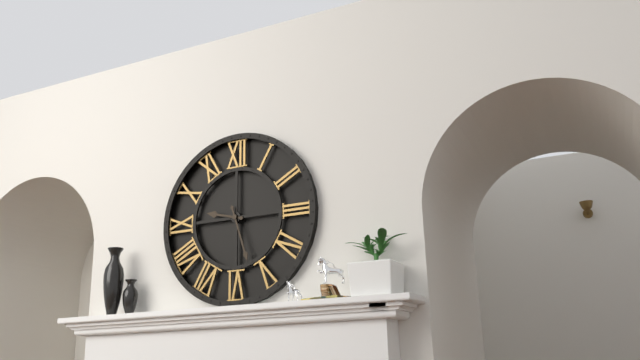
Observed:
{"hour": 9, "minute": 27}
